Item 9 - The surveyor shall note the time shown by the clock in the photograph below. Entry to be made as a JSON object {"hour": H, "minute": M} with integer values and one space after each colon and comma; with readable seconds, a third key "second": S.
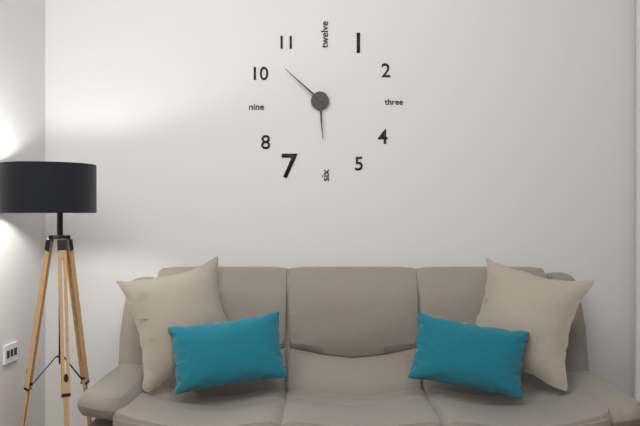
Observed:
{"hour": 5, "minute": 52}
